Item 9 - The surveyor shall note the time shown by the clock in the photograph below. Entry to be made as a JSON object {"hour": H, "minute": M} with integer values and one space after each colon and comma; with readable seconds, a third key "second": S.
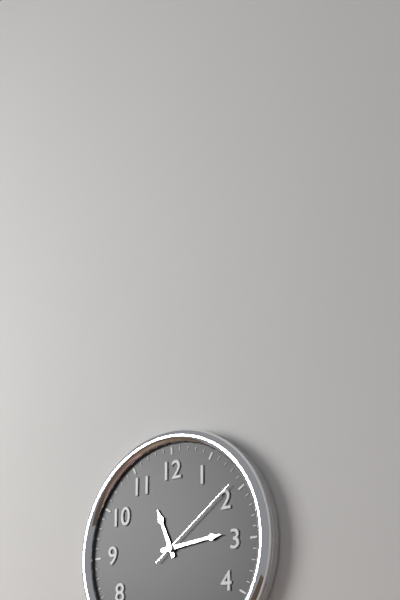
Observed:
{"hour": 11, "minute": 14, "second": 9}
